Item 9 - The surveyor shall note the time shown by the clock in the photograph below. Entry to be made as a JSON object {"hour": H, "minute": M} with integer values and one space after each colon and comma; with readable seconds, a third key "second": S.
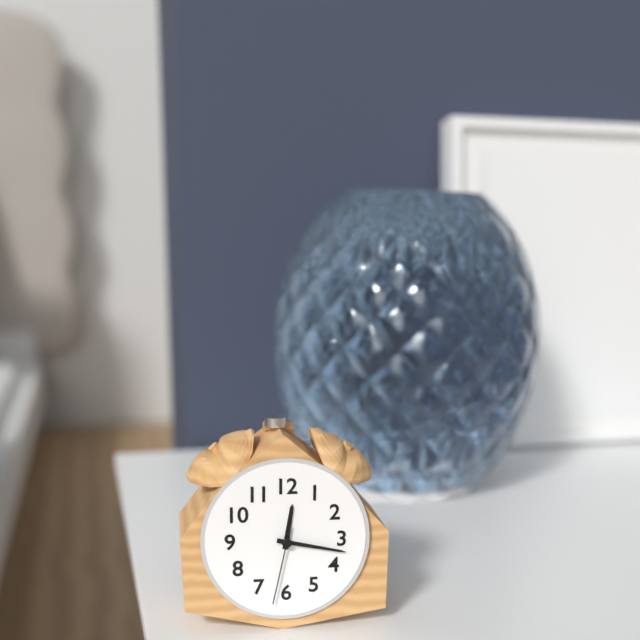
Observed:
{"hour": 12, "minute": 17, "second": 32}
